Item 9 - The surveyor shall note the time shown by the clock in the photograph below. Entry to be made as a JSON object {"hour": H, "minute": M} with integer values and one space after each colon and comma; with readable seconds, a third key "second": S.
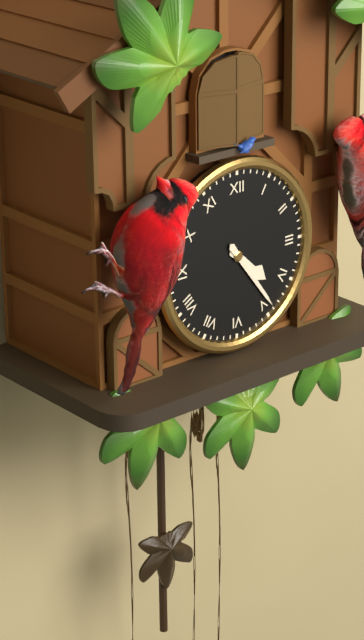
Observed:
{"hour": 4, "minute": 24}
